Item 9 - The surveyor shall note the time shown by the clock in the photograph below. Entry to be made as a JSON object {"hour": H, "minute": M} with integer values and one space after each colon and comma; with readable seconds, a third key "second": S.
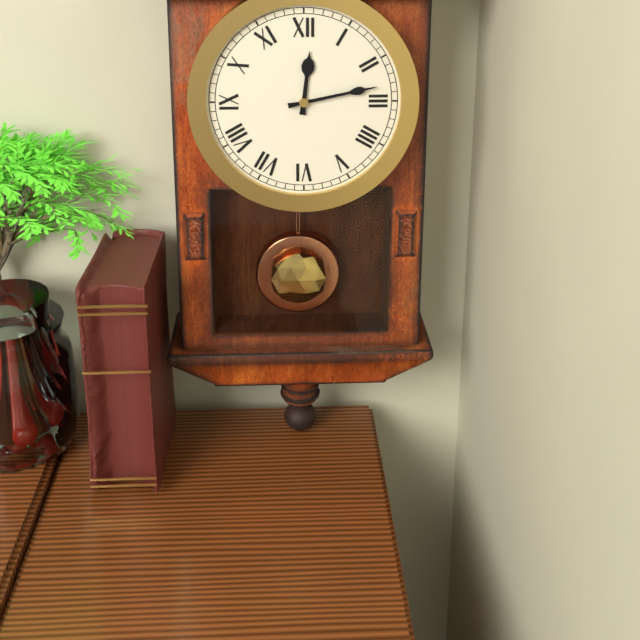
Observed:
{"hour": 12, "minute": 13}
